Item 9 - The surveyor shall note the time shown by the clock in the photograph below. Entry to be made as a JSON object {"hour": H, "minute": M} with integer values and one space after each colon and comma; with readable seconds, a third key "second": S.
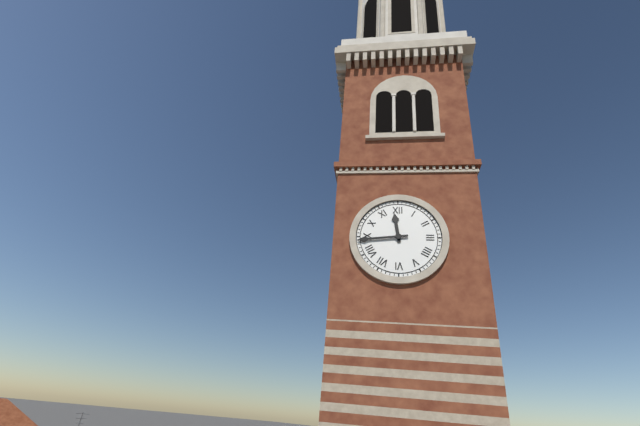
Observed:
{"hour": 11, "minute": 44}
